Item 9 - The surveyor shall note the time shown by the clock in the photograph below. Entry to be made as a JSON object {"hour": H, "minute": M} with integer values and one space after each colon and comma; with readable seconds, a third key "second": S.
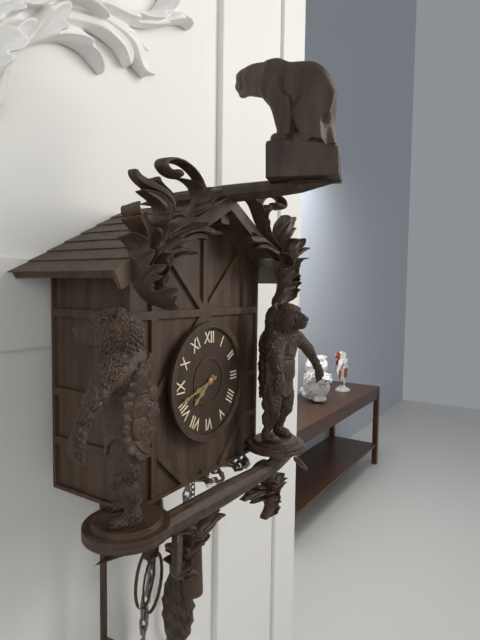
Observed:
{"hour": 7, "minute": 42}
